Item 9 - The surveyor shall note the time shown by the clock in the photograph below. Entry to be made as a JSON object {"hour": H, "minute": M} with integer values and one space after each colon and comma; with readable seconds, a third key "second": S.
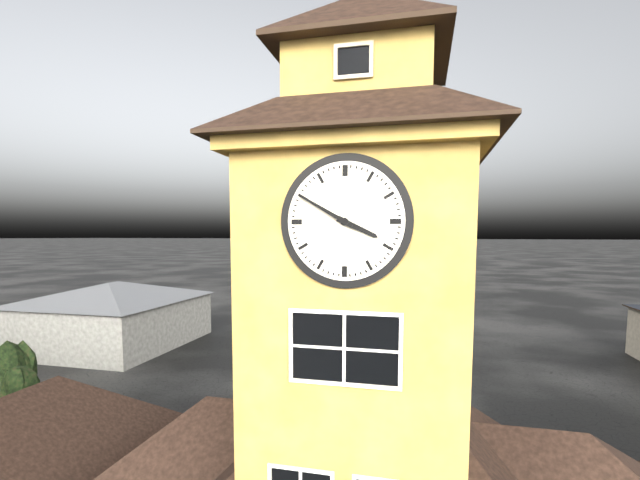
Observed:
{"hour": 3, "minute": 50}
